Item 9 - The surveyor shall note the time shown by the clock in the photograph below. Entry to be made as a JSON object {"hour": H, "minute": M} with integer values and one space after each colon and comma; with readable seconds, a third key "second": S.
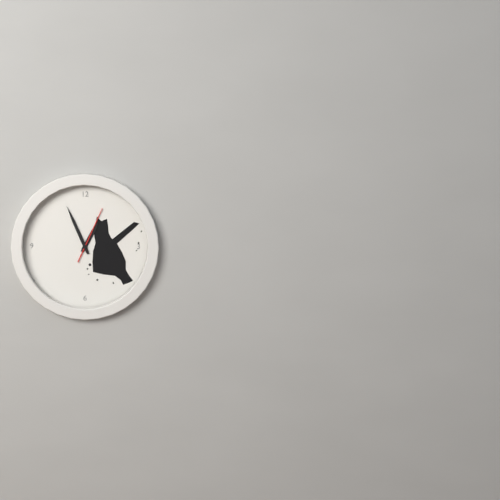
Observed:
{"hour": 12, "minute": 56, "second": 4}
